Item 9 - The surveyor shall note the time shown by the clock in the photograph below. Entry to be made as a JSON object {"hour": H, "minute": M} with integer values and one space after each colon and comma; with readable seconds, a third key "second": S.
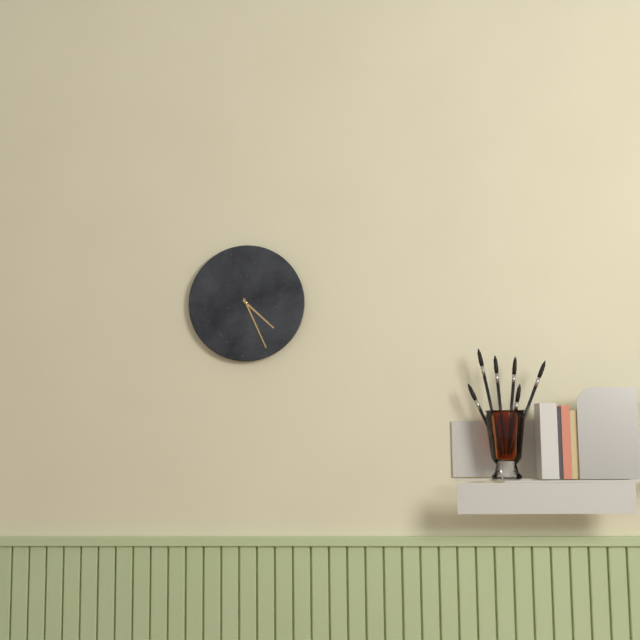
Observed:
{"hour": 4, "minute": 26}
